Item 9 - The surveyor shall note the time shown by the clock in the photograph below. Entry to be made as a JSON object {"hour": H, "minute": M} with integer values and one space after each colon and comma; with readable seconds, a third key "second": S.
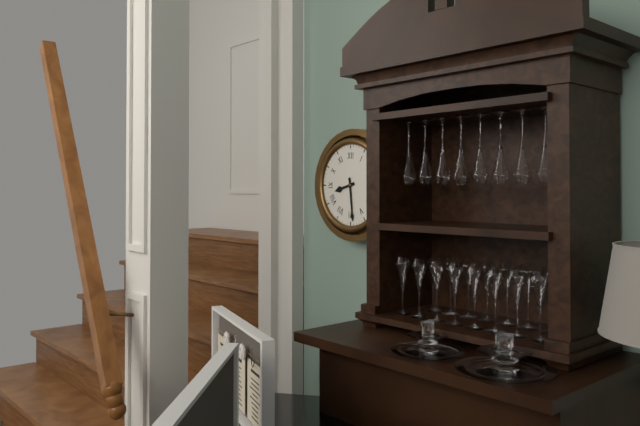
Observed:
{"hour": 8, "minute": 29}
